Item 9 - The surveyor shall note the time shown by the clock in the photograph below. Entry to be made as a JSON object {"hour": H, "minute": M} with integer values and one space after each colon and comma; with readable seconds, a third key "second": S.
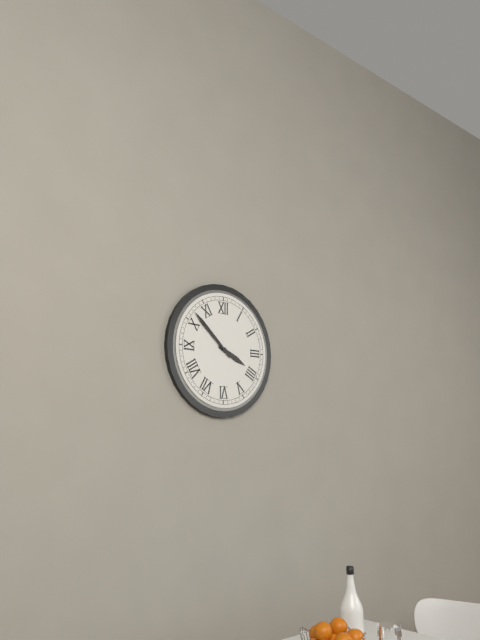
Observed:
{"hour": 3, "minute": 52}
